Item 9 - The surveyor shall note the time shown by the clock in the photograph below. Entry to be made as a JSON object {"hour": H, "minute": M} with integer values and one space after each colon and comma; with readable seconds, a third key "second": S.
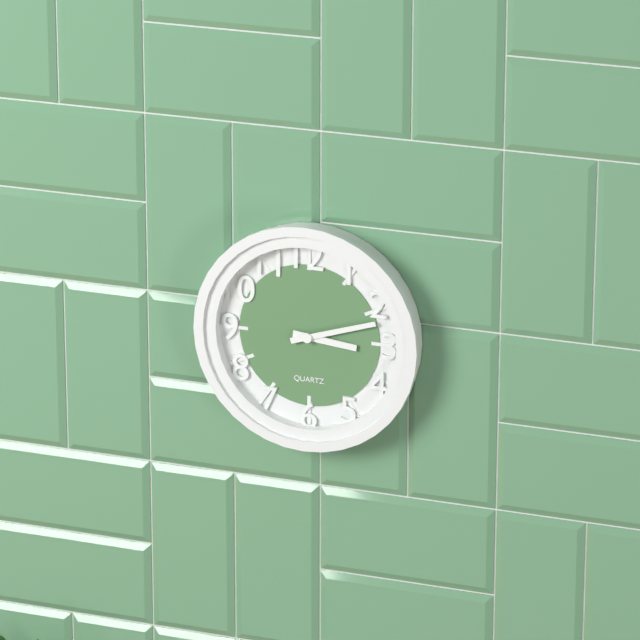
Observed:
{"hour": 3, "minute": 12}
